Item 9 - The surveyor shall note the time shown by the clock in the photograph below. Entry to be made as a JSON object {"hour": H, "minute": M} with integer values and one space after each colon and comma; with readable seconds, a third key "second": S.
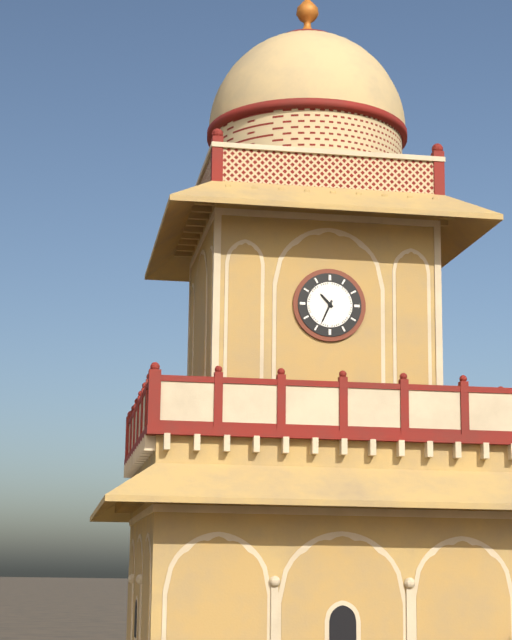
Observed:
{"hour": 10, "minute": 34}
